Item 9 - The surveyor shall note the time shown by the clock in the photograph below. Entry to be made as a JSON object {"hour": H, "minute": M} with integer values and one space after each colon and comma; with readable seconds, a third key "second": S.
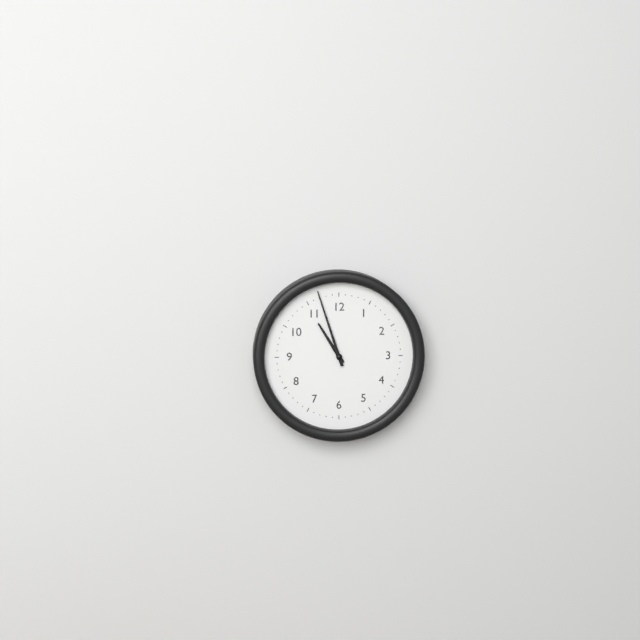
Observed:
{"hour": 10, "minute": 57}
